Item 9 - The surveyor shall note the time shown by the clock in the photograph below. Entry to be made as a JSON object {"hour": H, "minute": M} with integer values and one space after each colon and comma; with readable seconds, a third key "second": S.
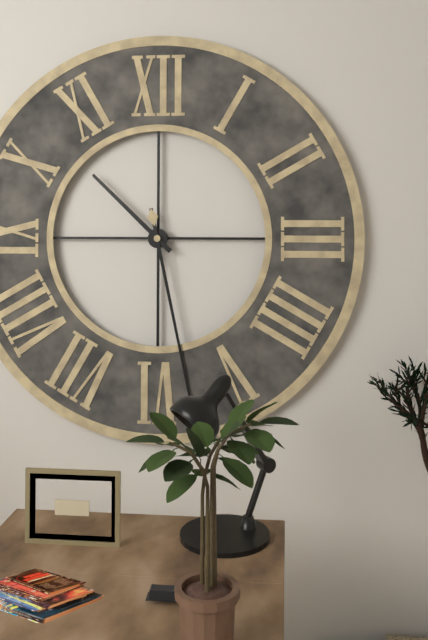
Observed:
{"hour": 10, "minute": 28}
